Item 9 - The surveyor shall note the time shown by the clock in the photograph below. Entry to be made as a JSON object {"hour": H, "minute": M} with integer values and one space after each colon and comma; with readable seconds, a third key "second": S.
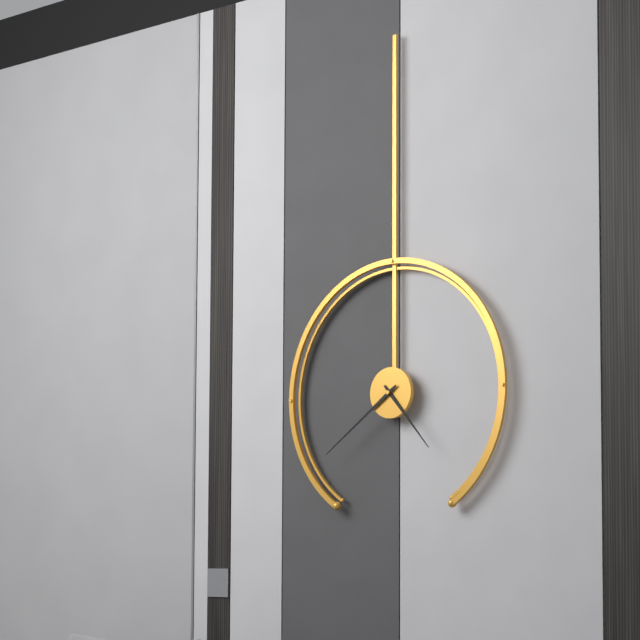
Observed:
{"hour": 4, "minute": 39}
